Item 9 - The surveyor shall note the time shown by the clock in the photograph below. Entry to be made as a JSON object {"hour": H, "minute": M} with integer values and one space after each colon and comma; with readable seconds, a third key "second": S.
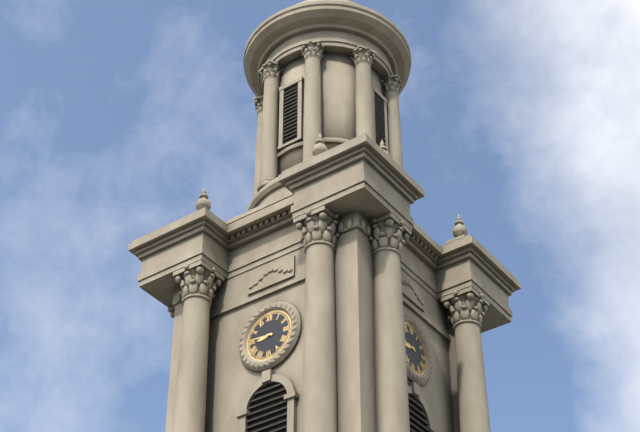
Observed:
{"hour": 8, "minute": 46}
